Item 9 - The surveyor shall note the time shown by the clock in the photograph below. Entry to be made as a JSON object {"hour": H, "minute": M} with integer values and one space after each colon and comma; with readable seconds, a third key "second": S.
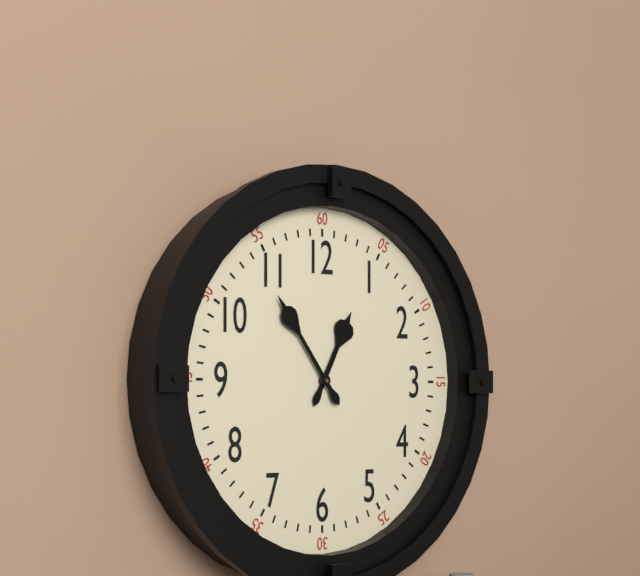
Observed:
{"hour": 12, "minute": 54}
